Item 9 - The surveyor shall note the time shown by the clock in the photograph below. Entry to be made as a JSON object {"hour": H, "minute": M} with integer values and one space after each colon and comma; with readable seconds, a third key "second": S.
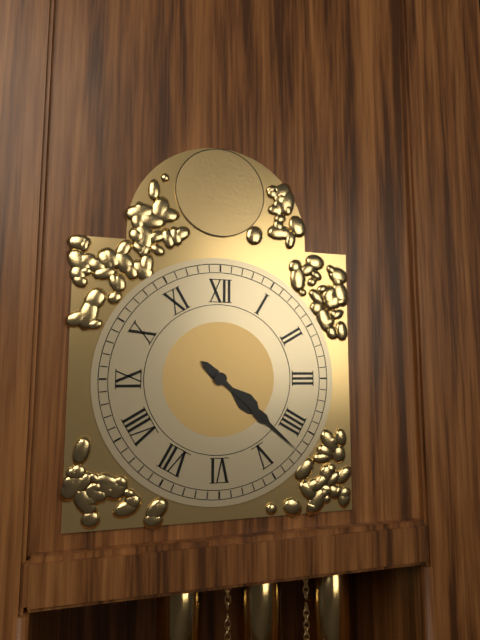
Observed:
{"hour": 4, "minute": 22}
